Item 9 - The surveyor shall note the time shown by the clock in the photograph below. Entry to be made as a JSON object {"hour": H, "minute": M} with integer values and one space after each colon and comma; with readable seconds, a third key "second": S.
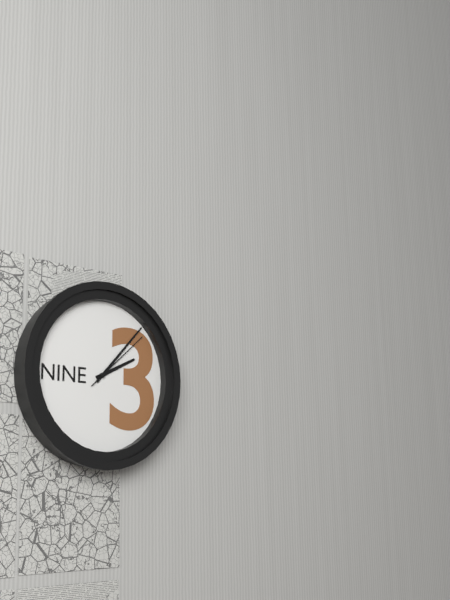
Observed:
{"hour": 2, "minute": 7, "second": 8}
